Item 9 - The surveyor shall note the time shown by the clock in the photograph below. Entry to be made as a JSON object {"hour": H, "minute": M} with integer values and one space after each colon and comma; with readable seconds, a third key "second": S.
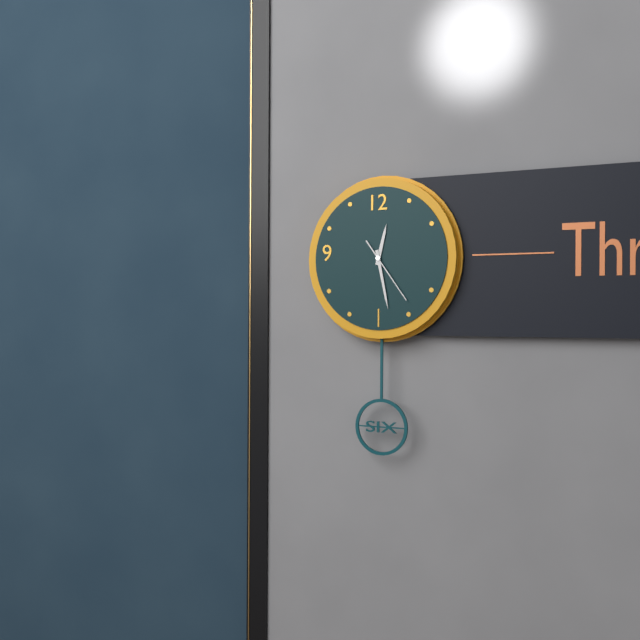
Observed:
{"hour": 12, "minute": 28, "second": 24}
